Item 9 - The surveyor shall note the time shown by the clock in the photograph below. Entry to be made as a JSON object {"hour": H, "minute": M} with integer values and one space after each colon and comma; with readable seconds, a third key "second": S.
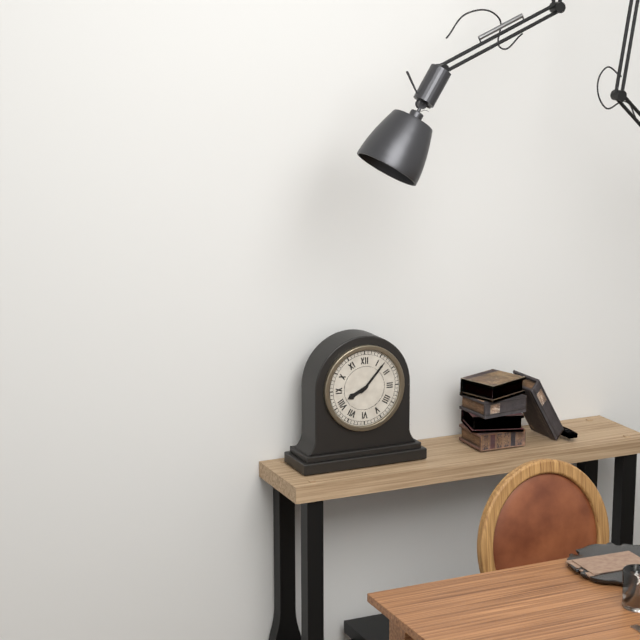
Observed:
{"hour": 8, "minute": 7}
